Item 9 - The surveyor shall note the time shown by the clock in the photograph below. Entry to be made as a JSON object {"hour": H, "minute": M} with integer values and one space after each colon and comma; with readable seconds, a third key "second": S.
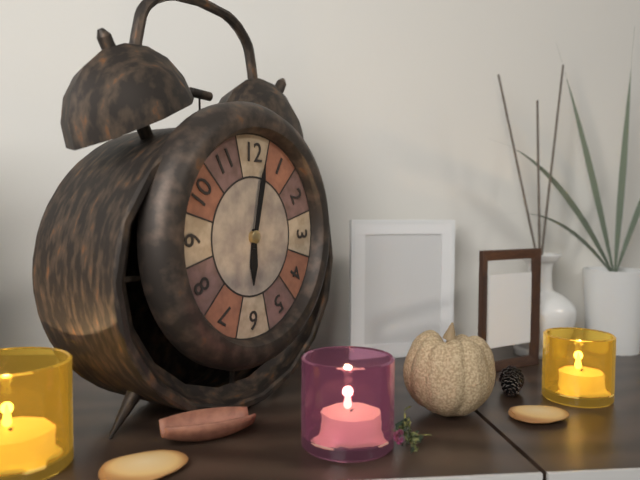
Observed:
{"hour": 6, "minute": 2}
